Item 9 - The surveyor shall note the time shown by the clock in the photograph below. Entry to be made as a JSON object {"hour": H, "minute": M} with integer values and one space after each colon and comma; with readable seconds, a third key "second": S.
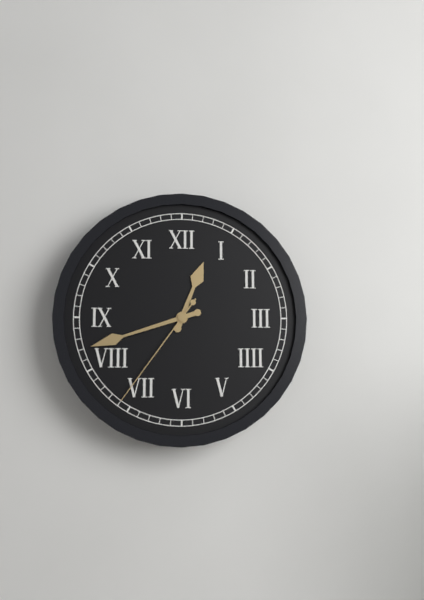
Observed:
{"hour": 12, "minute": 42, "second": 36}
